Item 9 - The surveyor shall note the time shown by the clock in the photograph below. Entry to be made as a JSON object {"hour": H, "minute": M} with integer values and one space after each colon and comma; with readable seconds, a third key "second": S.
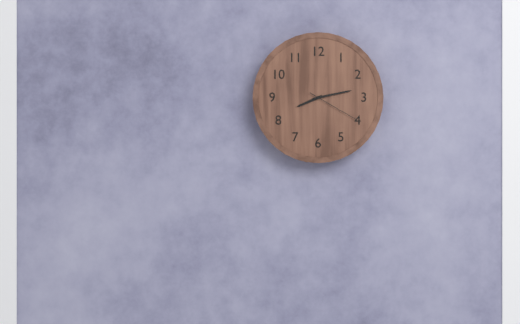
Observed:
{"hour": 8, "minute": 13, "second": 20}
